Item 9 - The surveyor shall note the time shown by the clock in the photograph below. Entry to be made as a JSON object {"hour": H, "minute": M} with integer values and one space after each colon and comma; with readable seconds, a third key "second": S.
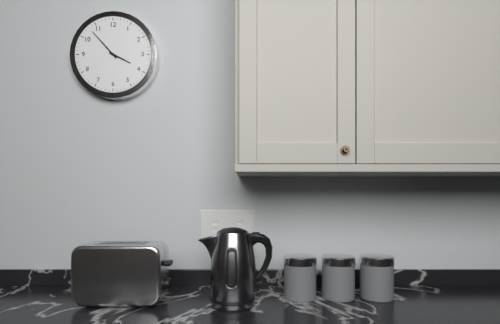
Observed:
{"hour": 3, "minute": 53}
